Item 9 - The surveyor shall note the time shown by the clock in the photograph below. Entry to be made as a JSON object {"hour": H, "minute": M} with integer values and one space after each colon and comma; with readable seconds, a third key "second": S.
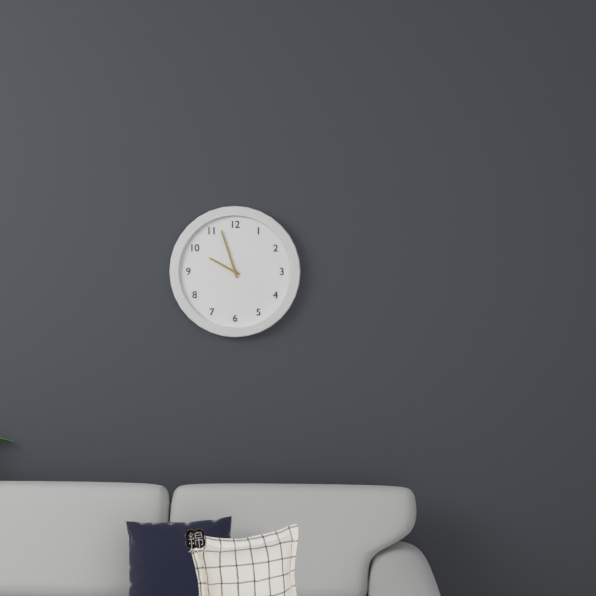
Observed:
{"hour": 9, "minute": 57}
